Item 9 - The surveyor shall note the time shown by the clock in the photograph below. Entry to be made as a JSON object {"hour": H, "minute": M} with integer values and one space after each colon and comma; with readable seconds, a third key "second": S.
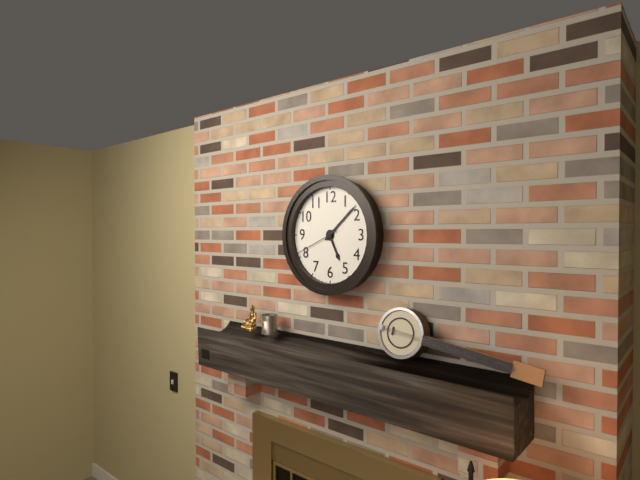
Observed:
{"hour": 5, "minute": 8}
